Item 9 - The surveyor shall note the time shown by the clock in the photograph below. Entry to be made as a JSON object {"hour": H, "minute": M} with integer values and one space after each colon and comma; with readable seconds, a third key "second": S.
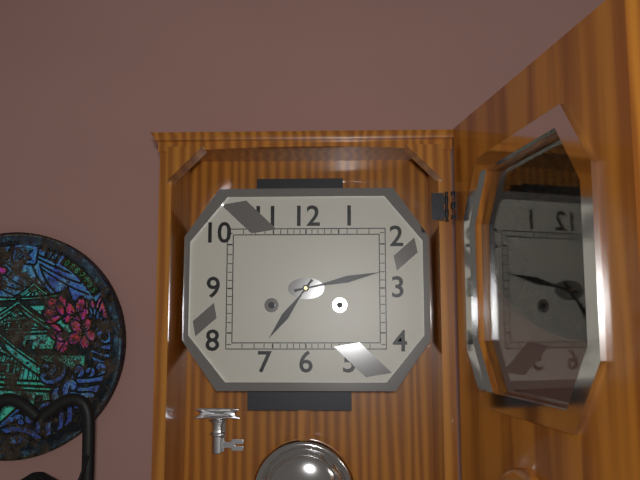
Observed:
{"hour": 7, "minute": 13}
